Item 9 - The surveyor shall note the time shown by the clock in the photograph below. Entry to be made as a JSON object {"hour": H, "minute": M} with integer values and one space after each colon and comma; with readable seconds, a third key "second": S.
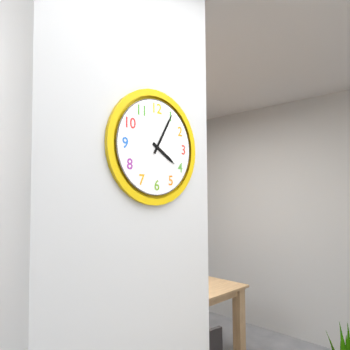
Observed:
{"hour": 4, "minute": 5}
